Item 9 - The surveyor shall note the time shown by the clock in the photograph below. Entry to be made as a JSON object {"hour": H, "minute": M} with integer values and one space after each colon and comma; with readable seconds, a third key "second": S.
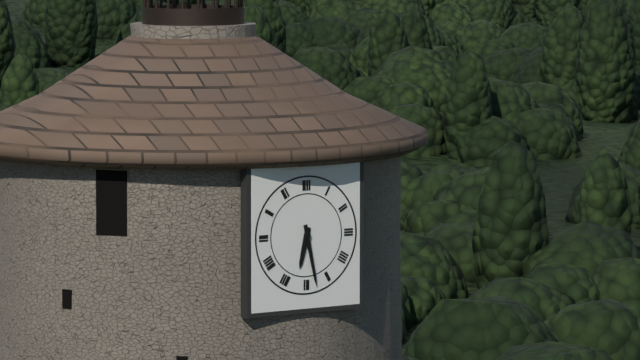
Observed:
{"hour": 6, "minute": 28}
